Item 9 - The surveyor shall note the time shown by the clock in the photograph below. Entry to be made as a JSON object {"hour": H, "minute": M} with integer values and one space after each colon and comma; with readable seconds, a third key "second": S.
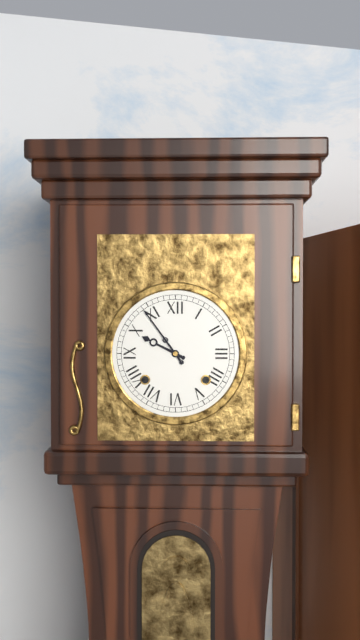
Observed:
{"hour": 9, "minute": 54}
